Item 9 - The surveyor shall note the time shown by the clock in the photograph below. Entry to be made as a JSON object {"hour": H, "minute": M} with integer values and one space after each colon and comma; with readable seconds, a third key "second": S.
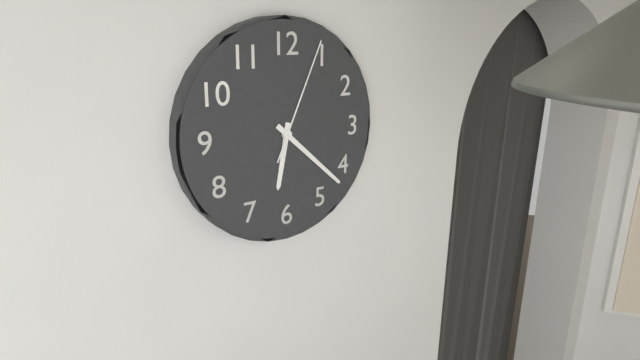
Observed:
{"hour": 6, "minute": 22, "second": 4}
